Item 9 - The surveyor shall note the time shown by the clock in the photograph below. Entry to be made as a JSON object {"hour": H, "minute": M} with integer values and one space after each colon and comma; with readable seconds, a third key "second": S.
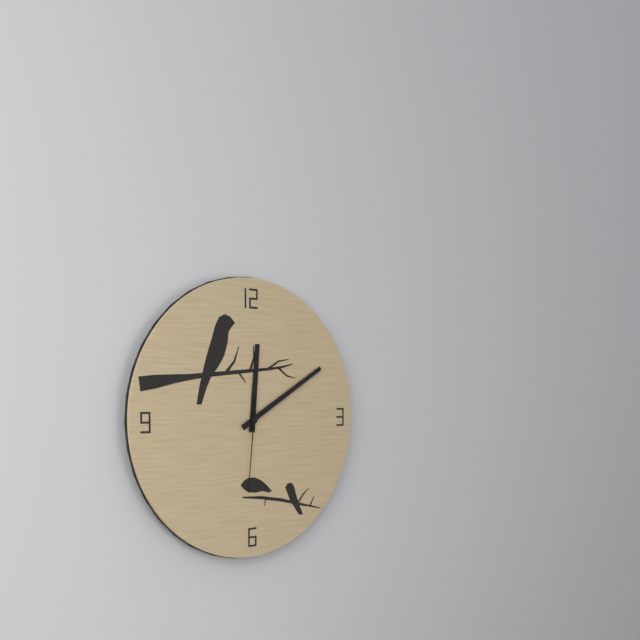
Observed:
{"hour": 12, "minute": 10, "second": 31}
